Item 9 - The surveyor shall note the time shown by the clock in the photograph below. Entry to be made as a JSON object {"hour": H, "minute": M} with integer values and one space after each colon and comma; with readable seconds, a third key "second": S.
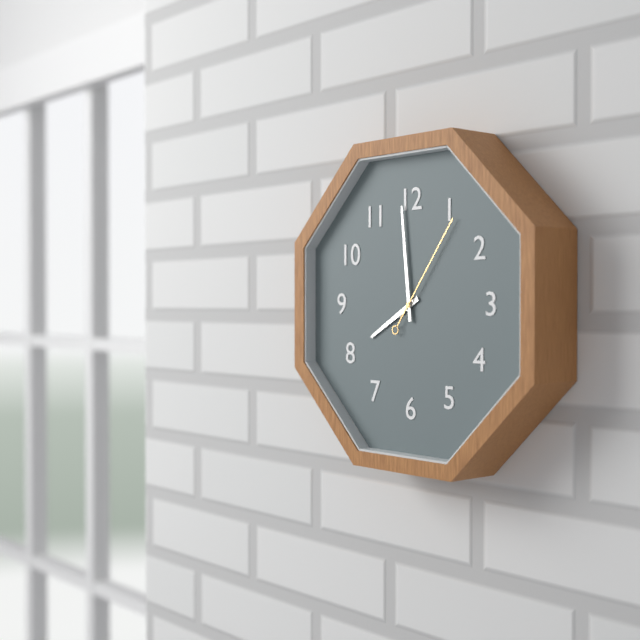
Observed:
{"hour": 7, "minute": 59, "second": 6}
